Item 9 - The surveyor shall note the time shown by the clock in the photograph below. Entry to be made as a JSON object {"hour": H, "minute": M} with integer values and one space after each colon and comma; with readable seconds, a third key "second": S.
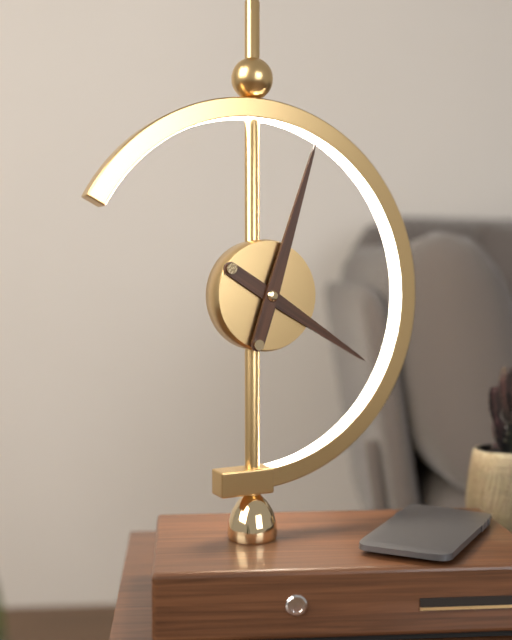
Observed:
{"hour": 4, "minute": 3}
